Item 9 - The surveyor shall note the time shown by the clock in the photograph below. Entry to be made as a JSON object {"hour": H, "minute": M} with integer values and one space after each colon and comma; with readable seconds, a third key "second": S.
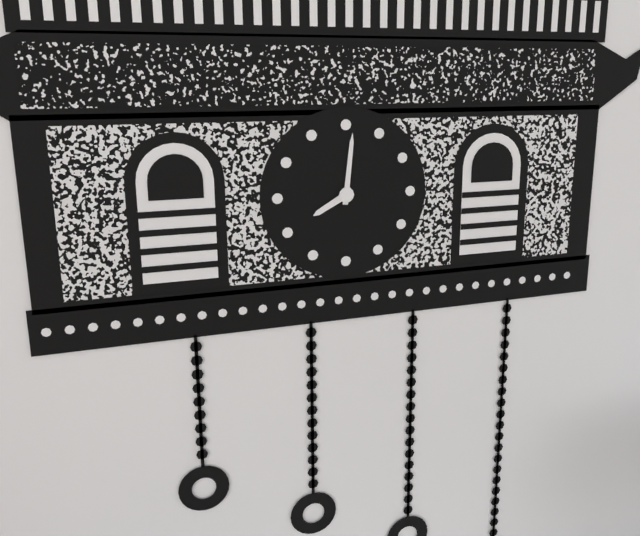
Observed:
{"hour": 8, "minute": 1}
